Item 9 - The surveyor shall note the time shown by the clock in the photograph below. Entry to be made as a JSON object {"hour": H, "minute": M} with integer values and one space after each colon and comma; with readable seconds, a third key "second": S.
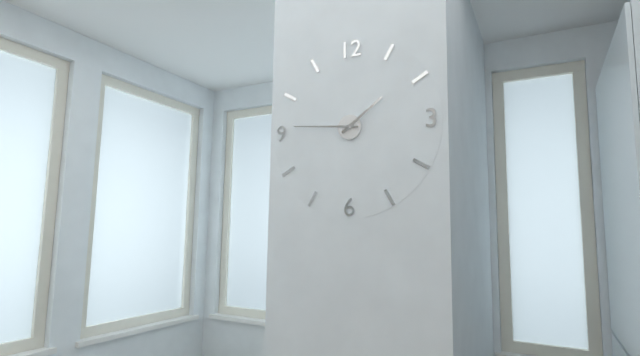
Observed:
{"hour": 1, "minute": 46}
